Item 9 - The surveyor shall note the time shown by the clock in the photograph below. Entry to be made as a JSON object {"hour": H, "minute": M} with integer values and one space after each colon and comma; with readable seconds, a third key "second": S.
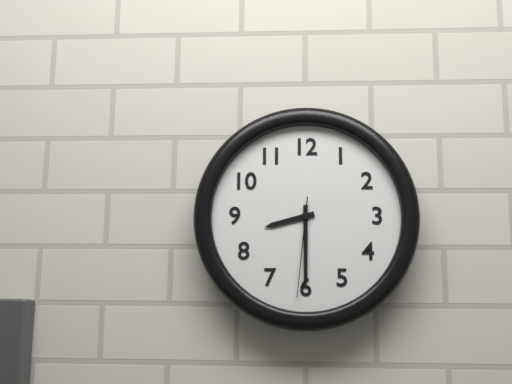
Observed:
{"hour": 8, "minute": 30, "second": 31}
